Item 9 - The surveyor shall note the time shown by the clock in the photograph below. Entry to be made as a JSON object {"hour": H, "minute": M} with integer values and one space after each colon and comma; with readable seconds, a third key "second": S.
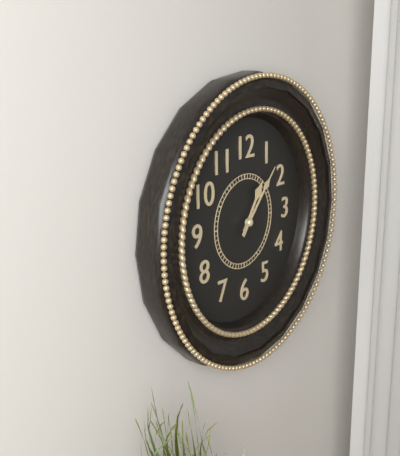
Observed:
{"hour": 1, "minute": 7}
